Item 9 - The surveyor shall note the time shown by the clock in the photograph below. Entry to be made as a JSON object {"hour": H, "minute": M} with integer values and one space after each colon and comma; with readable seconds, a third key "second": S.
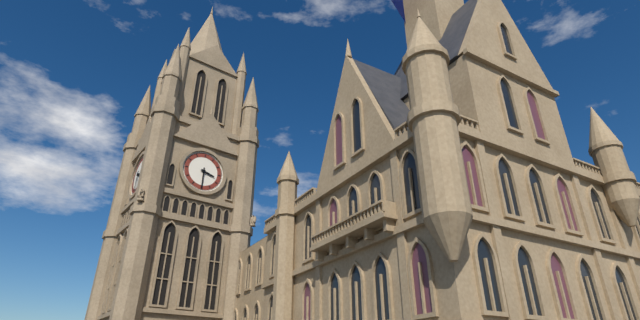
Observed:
{"hour": 3, "minute": 30}
